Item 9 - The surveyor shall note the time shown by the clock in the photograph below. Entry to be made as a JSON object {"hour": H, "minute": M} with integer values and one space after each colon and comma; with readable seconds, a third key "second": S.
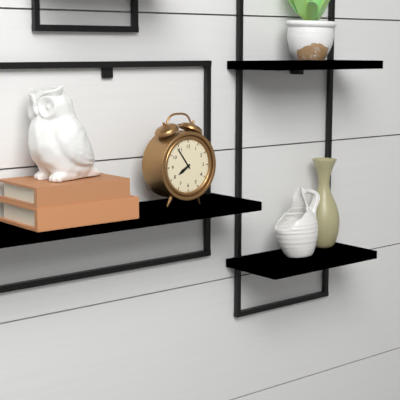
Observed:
{"hour": 7, "minute": 54}
